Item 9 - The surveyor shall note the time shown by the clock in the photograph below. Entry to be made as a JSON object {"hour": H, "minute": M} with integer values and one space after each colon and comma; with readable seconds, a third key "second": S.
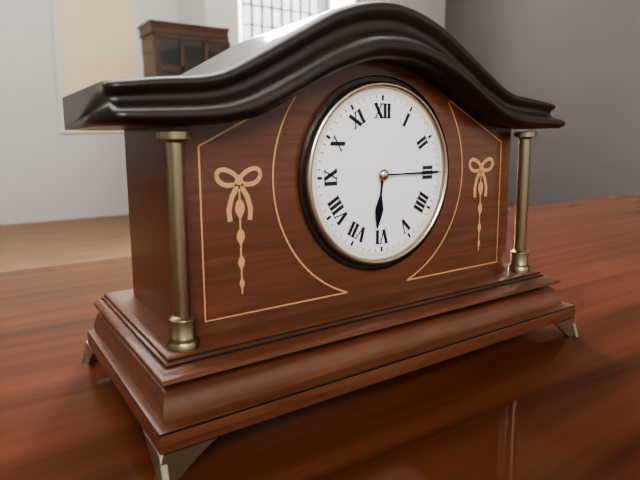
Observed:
{"hour": 6, "minute": 15}
